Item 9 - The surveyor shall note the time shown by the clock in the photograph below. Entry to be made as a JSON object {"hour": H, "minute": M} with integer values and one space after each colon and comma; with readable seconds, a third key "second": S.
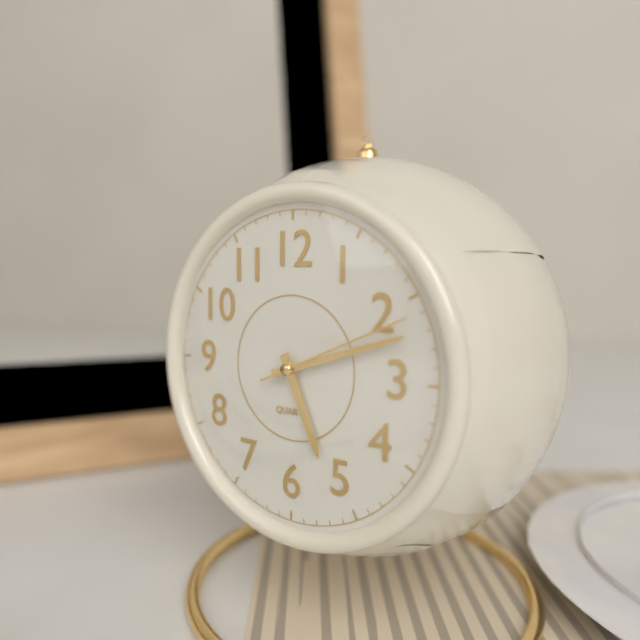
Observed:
{"hour": 5, "minute": 12, "second": 11}
